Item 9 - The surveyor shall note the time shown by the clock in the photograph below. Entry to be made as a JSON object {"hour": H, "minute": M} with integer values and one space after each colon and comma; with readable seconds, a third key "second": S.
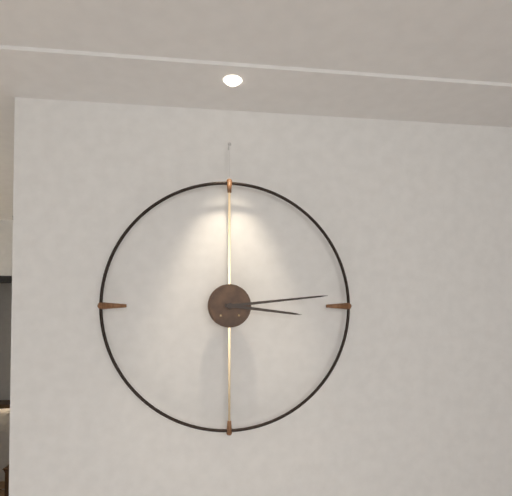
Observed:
{"hour": 3, "minute": 14}
